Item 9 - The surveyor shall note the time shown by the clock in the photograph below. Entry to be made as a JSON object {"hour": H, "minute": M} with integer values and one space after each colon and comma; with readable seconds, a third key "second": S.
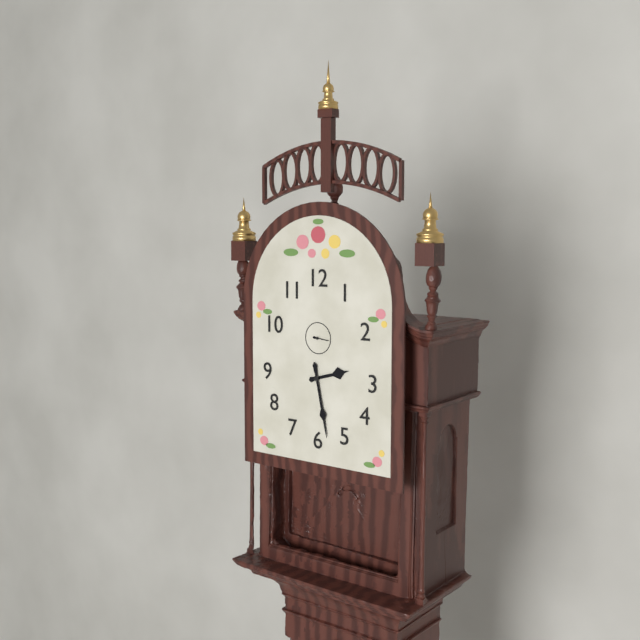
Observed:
{"hour": 2, "minute": 28}
